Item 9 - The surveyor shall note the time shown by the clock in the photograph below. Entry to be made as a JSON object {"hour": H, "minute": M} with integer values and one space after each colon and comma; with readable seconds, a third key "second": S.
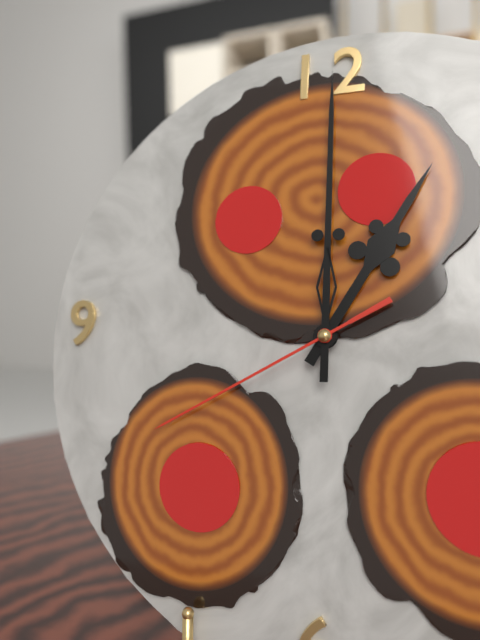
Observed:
{"hour": 1, "minute": 0, "second": 40}
